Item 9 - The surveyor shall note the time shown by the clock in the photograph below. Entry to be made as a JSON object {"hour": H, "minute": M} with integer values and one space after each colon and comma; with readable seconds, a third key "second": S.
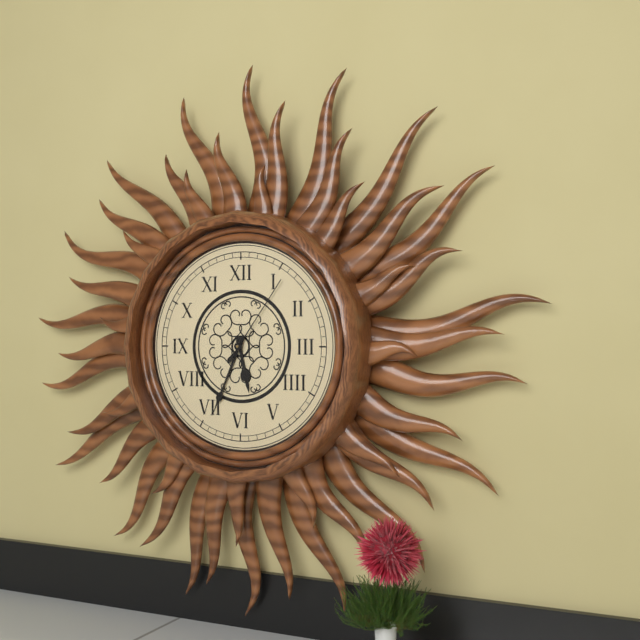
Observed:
{"hour": 5, "minute": 34, "second": 6}
